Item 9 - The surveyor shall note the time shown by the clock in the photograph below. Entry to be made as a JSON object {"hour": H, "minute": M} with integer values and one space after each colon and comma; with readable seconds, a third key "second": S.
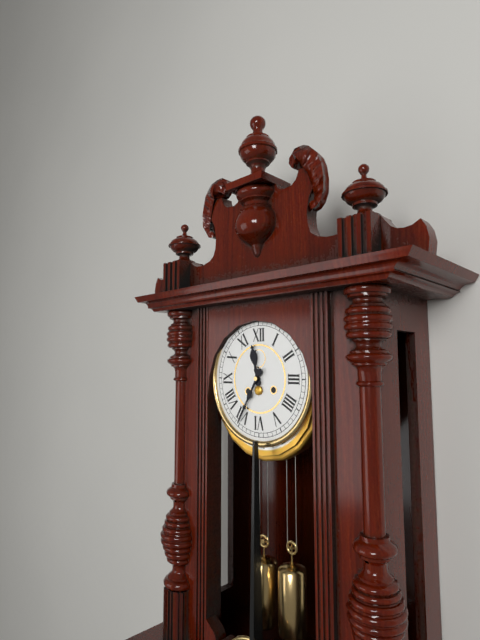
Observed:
{"hour": 11, "minute": 35}
